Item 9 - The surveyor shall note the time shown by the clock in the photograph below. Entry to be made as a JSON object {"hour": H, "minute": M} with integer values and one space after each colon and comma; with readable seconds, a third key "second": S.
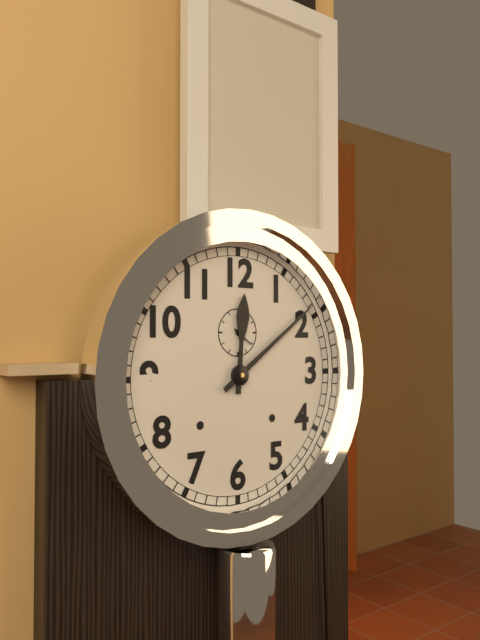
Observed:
{"hour": 12, "minute": 9}
